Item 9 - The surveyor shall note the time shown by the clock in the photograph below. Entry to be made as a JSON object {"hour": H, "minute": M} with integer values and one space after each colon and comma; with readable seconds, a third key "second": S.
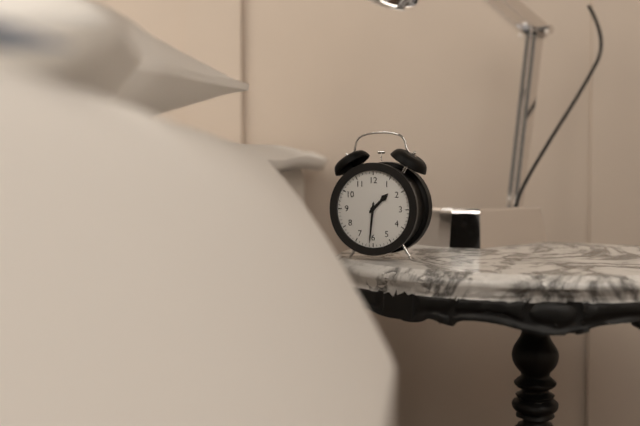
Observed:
{"hour": 1, "minute": 31}
